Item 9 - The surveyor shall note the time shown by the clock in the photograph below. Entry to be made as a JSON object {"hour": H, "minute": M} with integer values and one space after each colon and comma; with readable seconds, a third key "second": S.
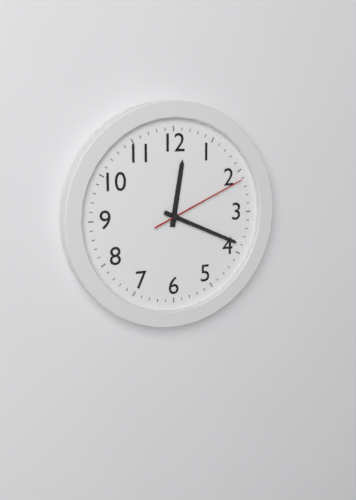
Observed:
{"hour": 12, "minute": 19, "second": 11}
